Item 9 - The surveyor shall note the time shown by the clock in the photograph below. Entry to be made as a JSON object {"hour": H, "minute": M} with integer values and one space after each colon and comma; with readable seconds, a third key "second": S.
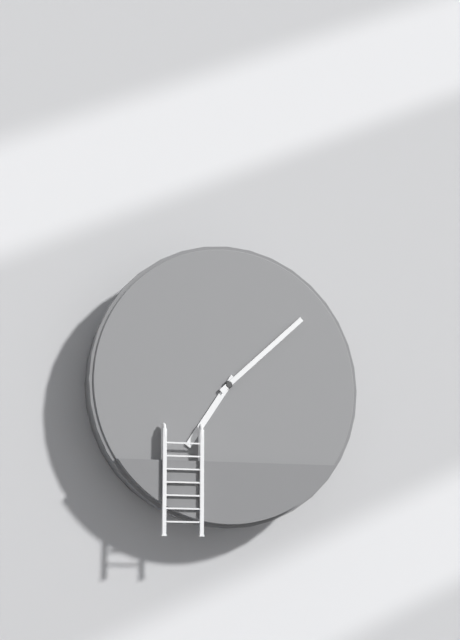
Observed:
{"hour": 7, "minute": 8}
